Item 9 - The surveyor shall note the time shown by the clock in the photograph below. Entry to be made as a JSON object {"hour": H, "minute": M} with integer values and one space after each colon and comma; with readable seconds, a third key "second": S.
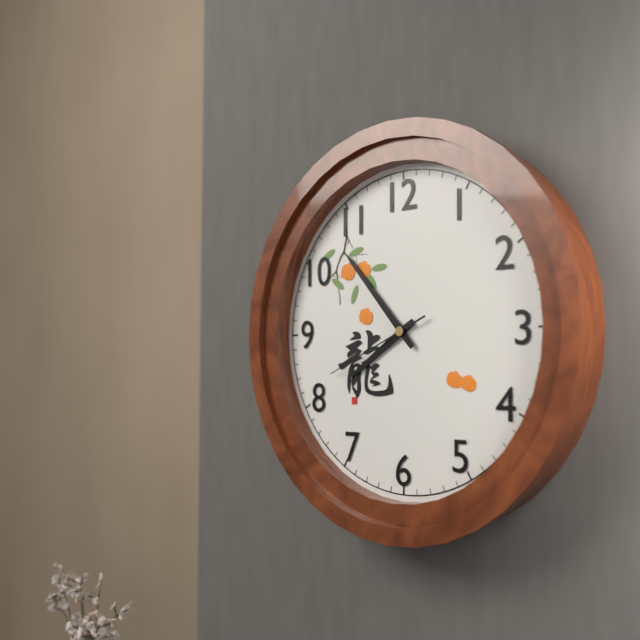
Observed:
{"hour": 7, "minute": 53, "second": 41}
